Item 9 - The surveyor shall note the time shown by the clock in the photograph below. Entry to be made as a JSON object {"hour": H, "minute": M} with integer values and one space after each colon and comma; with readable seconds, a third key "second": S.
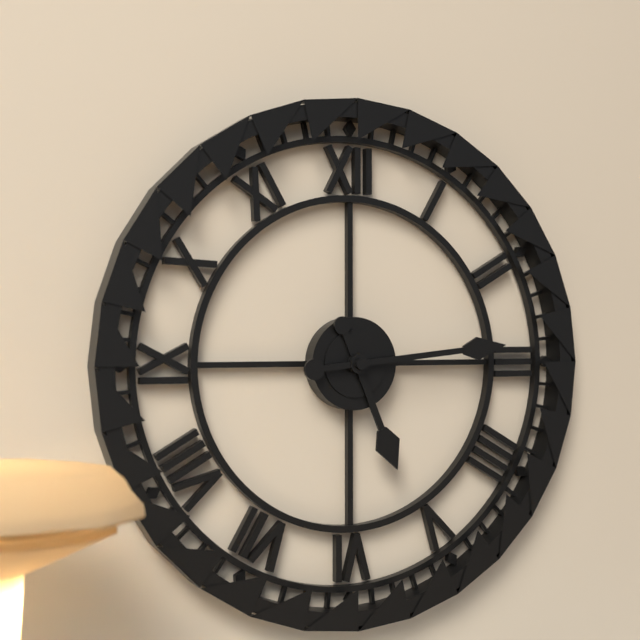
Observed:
{"hour": 5, "minute": 14}
